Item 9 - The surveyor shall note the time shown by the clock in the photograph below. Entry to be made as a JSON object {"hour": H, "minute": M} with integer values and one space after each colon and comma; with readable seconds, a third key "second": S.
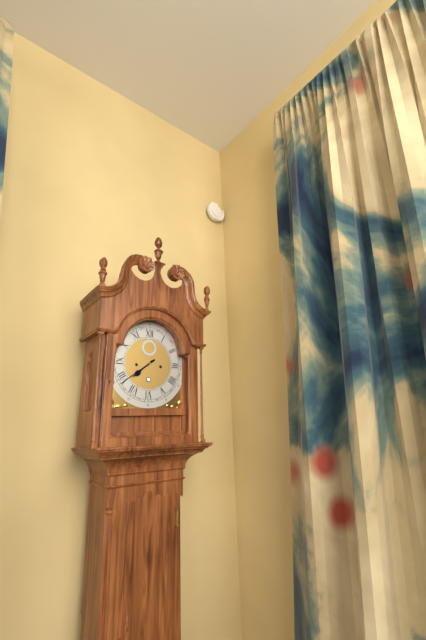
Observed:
{"hour": 7, "minute": 39}
